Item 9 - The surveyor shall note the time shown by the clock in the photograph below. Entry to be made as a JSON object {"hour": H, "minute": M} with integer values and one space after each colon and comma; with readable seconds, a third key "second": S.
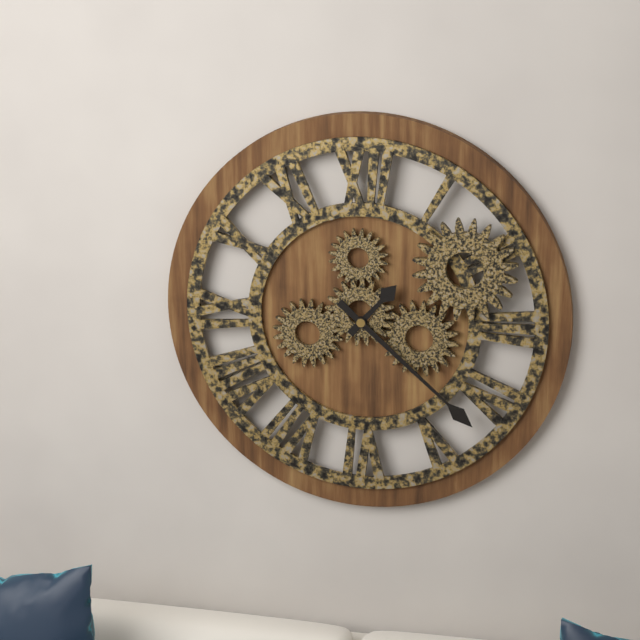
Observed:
{"hour": 1, "minute": 22}
